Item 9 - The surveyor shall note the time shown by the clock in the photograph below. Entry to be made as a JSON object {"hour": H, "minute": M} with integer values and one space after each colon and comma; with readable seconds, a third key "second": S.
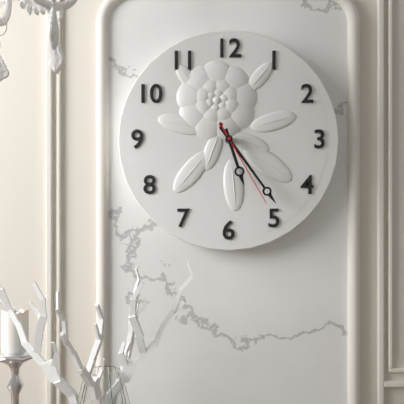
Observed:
{"hour": 5, "minute": 24, "second": 25}
